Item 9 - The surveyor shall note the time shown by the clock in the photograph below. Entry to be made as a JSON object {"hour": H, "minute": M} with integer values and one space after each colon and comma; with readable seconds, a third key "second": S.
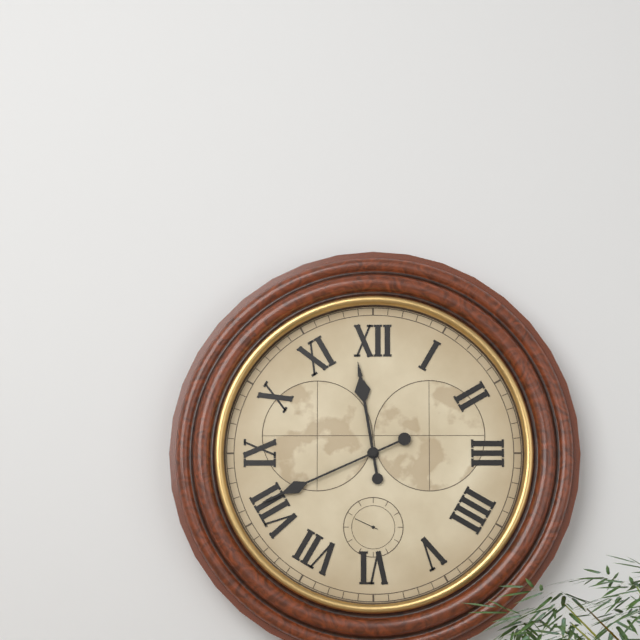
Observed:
{"hour": 11, "minute": 41}
